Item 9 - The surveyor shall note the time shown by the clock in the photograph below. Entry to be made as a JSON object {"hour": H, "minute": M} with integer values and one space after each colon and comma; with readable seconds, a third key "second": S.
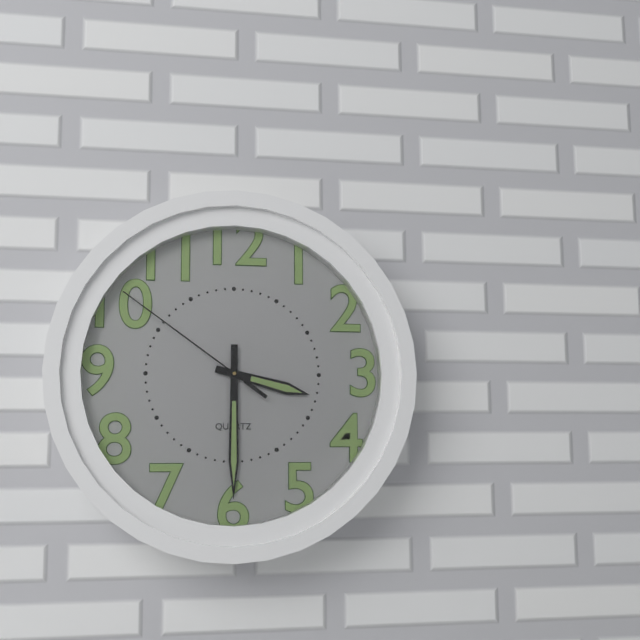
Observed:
{"hour": 3, "minute": 30, "second": 51}
